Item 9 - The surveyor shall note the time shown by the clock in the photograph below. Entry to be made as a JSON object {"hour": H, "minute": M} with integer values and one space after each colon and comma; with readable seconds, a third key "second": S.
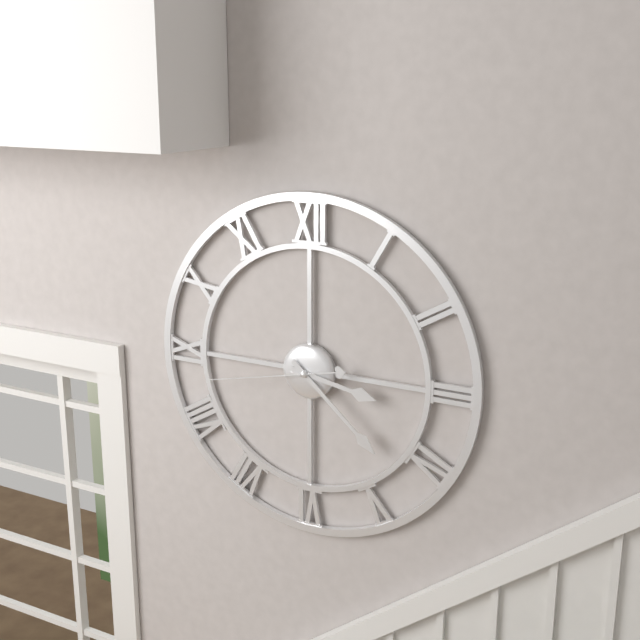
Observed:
{"hour": 3, "minute": 22, "second": 43}
